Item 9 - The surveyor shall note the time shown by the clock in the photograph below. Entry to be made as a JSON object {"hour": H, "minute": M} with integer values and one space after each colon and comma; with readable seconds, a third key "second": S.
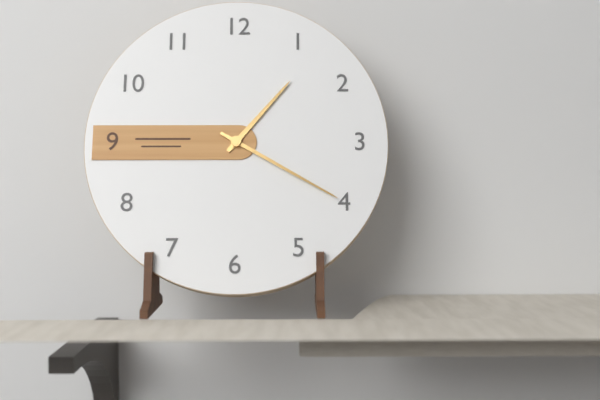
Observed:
{"hour": 1, "minute": 20}
